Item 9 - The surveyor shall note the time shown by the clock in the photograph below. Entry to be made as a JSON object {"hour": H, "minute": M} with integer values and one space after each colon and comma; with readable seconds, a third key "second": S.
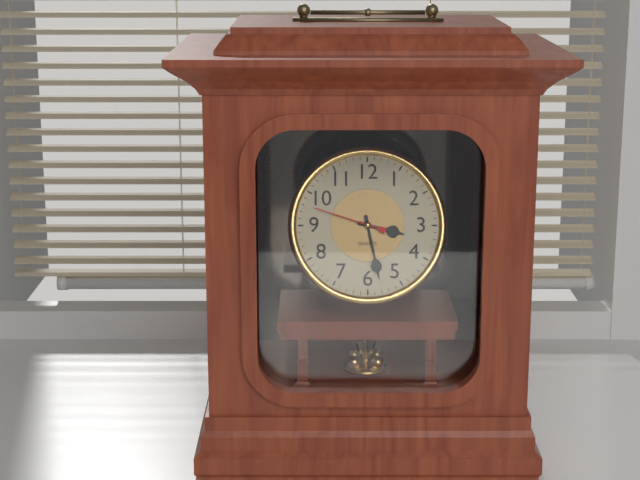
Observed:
{"hour": 3, "minute": 28, "second": 48}
